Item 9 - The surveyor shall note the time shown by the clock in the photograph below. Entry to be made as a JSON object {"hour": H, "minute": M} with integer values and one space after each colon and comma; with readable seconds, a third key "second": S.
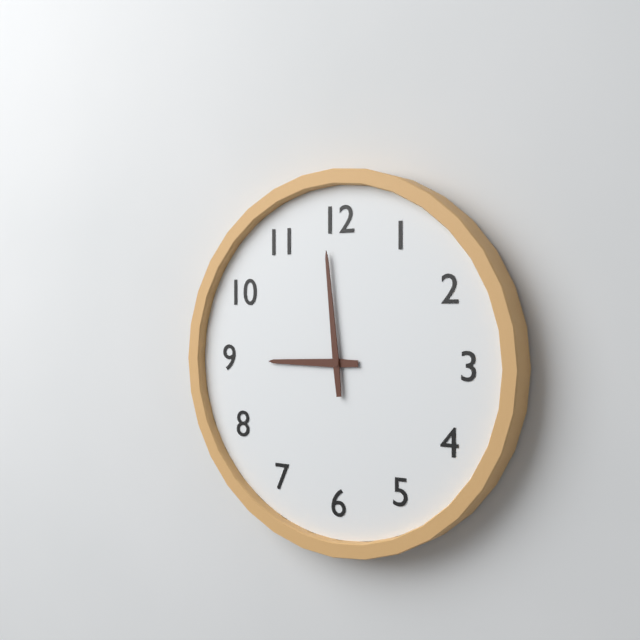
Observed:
{"hour": 8, "minute": 59}
